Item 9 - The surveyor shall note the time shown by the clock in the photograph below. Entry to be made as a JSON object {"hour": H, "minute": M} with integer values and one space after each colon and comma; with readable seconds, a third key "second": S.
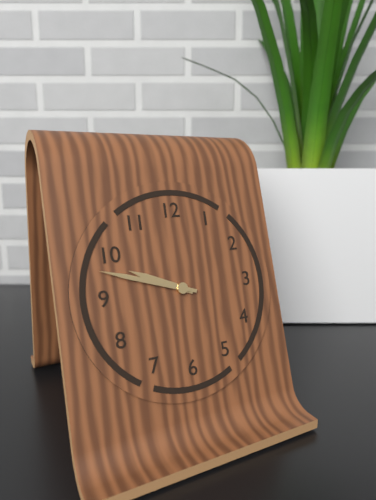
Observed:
{"hour": 9, "minute": 48}
